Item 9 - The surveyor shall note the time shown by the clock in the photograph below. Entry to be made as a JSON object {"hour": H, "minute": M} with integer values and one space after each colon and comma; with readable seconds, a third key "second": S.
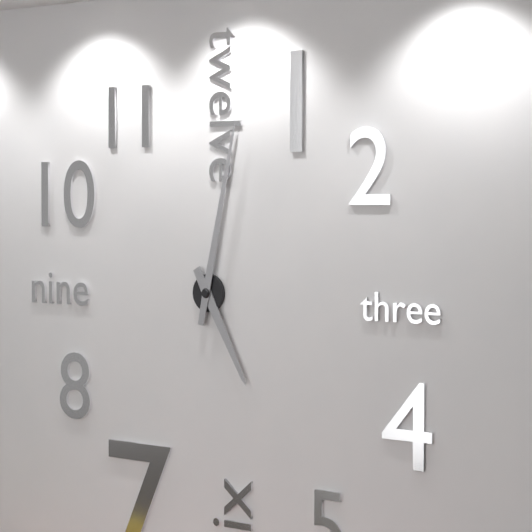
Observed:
{"hour": 5, "minute": 2}
